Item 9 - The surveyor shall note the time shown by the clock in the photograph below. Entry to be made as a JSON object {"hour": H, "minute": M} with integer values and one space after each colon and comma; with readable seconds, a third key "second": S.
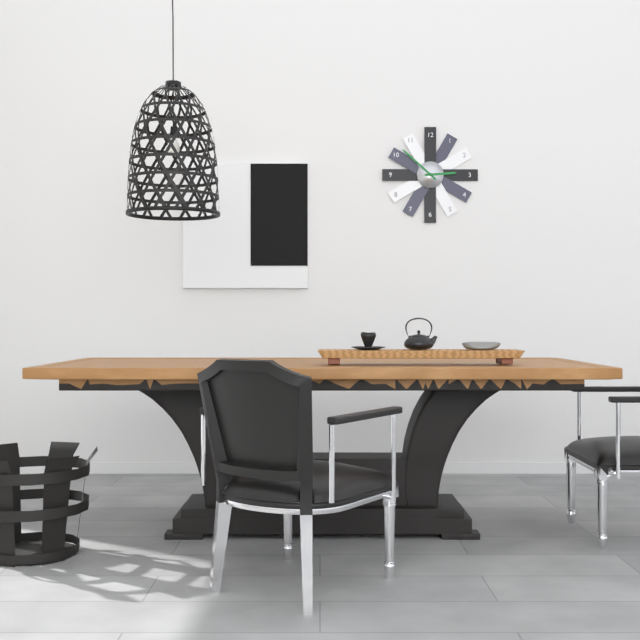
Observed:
{"hour": 2, "minute": 52}
